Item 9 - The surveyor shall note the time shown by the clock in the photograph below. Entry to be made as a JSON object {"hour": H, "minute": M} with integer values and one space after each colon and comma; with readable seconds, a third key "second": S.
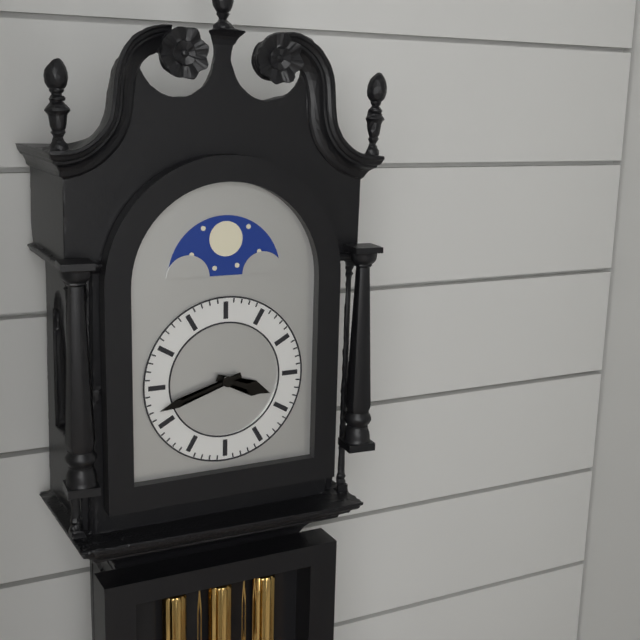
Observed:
{"hour": 3, "minute": 42}
